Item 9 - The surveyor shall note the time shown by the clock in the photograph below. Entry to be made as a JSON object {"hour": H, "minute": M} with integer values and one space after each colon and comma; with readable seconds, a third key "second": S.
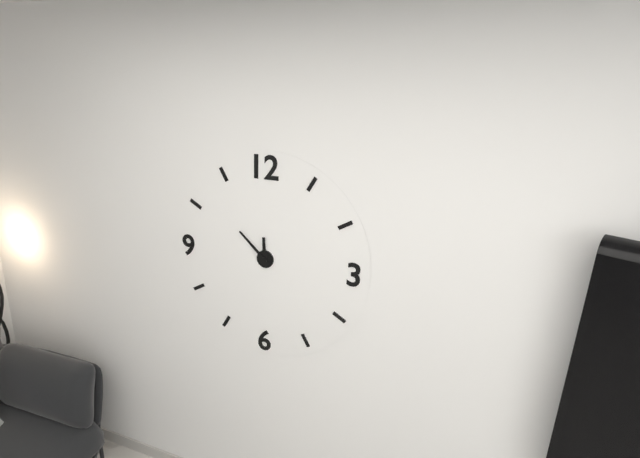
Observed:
{"hour": 11, "minute": 52}
